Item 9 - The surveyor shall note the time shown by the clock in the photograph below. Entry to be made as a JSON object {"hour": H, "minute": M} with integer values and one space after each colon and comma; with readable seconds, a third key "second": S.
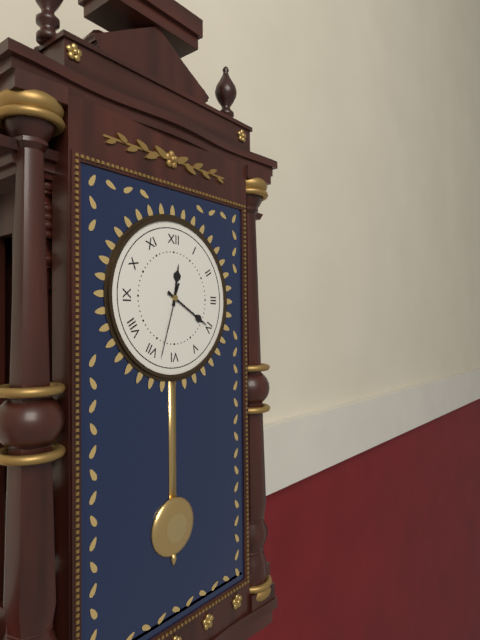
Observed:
{"hour": 12, "minute": 20, "second": 33}
